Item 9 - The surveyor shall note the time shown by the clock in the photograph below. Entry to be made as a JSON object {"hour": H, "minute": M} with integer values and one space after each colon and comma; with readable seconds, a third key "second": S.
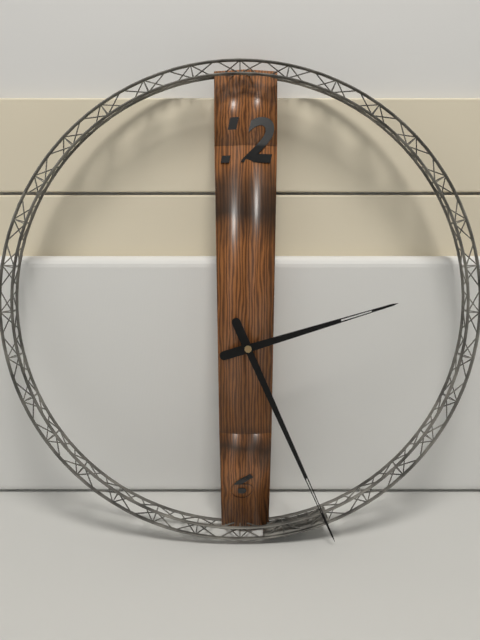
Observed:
{"hour": 2, "minute": 26}
